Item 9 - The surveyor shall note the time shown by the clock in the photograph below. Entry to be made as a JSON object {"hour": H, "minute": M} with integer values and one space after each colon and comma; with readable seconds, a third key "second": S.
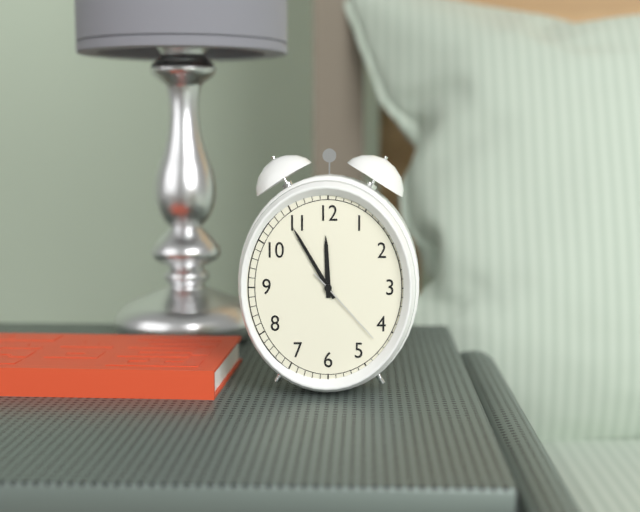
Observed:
{"hour": 11, "minute": 55, "second": 23}
